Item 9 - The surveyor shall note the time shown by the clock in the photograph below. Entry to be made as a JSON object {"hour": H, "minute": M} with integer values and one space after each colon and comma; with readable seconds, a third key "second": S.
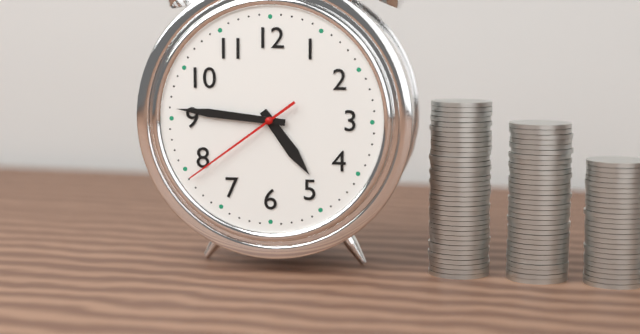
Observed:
{"hour": 4, "minute": 46, "second": 39}
